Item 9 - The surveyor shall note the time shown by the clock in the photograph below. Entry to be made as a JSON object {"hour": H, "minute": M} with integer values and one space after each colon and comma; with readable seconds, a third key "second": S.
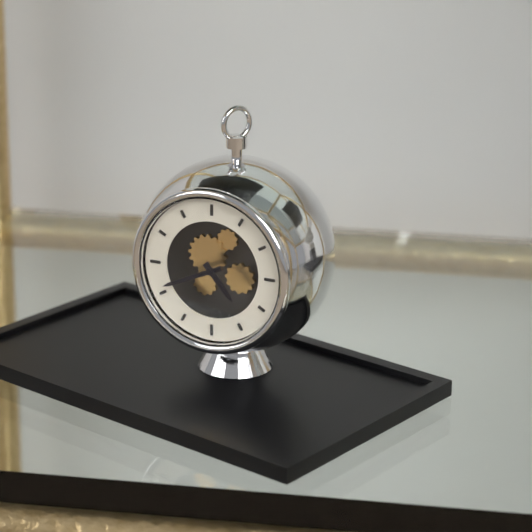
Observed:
{"hour": 4, "minute": 41}
